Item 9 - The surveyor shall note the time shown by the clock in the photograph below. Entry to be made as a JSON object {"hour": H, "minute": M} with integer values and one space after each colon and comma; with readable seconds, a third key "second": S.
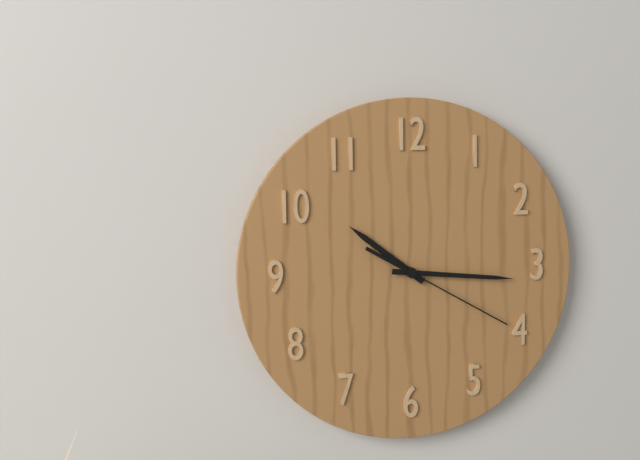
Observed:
{"hour": 10, "minute": 16, "second": 20}
